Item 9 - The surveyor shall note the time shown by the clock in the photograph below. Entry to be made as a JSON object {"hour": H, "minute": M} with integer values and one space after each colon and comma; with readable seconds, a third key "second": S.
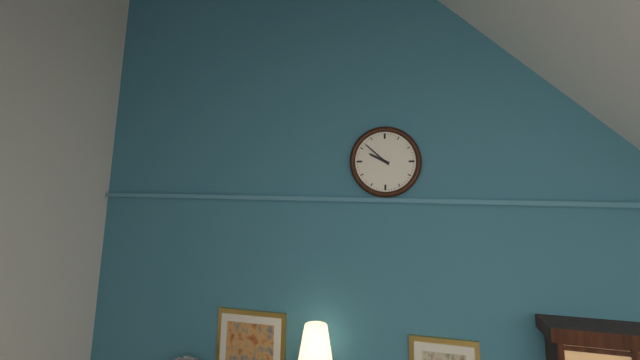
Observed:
{"hour": 9, "minute": 52}
